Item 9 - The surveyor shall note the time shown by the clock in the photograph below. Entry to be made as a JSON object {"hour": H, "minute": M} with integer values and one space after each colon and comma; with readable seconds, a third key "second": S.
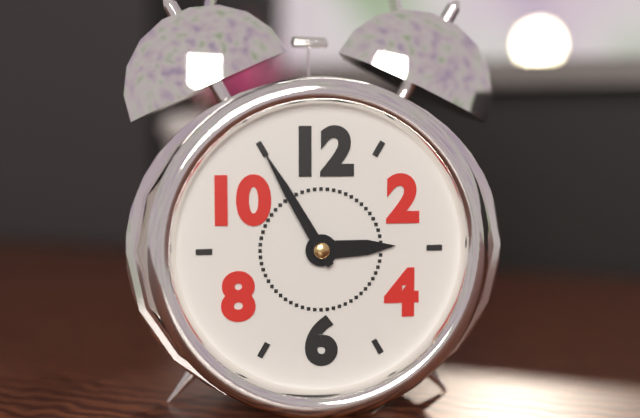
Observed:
{"hour": 2, "minute": 55}
